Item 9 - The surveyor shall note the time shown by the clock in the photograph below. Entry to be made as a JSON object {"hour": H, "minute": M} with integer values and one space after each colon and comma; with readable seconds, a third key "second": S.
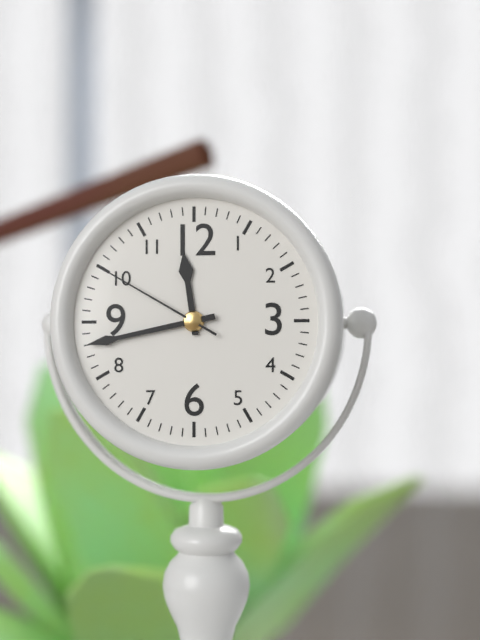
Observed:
{"hour": 11, "minute": 43, "second": 50}
